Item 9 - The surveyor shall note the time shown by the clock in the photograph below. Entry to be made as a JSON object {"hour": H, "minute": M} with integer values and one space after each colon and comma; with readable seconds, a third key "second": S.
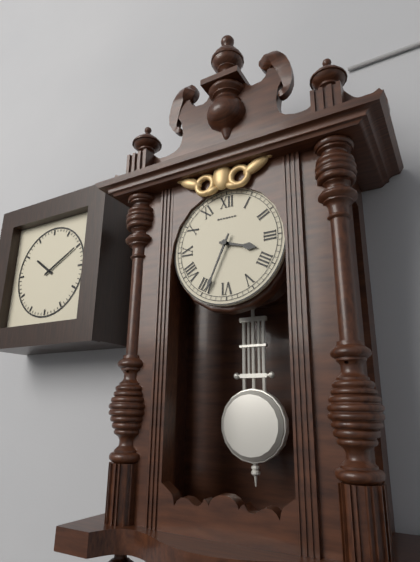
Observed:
{"hour": 3, "minute": 34}
